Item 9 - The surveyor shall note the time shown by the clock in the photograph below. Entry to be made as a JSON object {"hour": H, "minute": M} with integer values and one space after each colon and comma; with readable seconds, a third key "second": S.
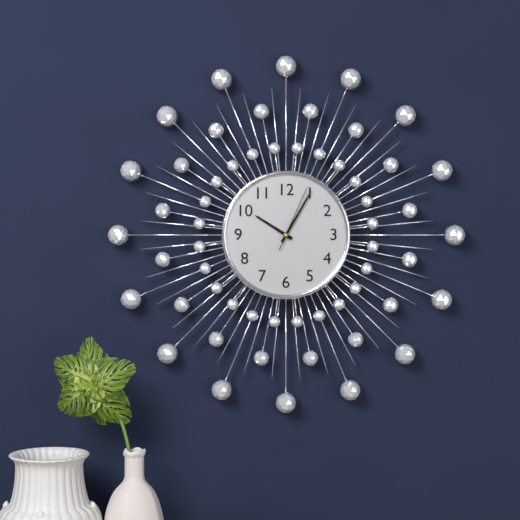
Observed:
{"hour": 10, "minute": 5, "second": 4}
